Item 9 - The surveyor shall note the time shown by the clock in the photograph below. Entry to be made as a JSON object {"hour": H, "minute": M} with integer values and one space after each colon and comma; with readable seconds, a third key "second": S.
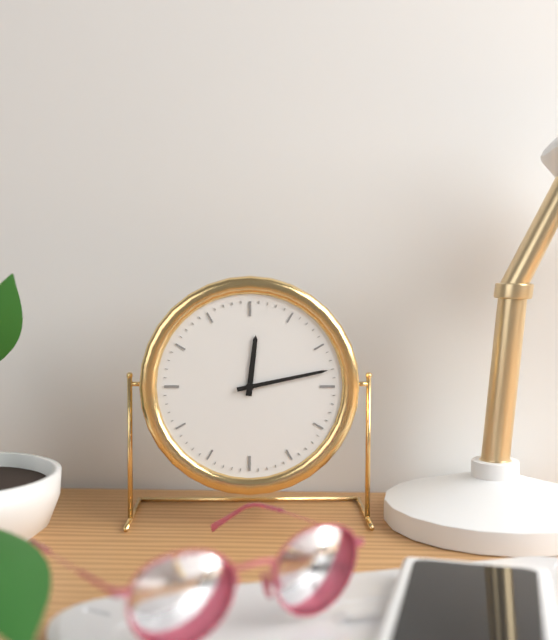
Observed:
{"hour": 12, "minute": 13}
